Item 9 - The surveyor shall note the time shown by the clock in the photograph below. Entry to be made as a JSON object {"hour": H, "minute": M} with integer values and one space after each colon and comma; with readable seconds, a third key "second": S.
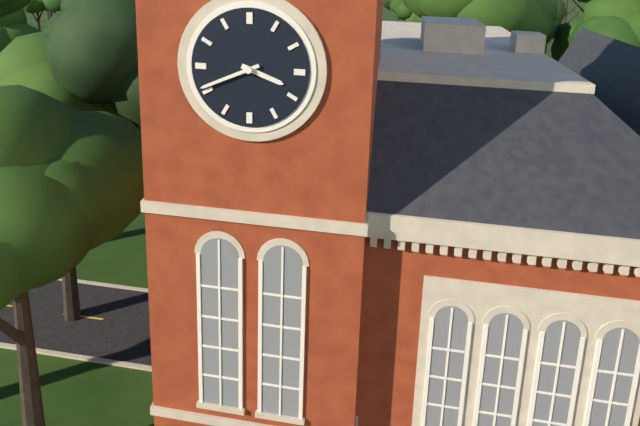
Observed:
{"hour": 3, "minute": 41}
